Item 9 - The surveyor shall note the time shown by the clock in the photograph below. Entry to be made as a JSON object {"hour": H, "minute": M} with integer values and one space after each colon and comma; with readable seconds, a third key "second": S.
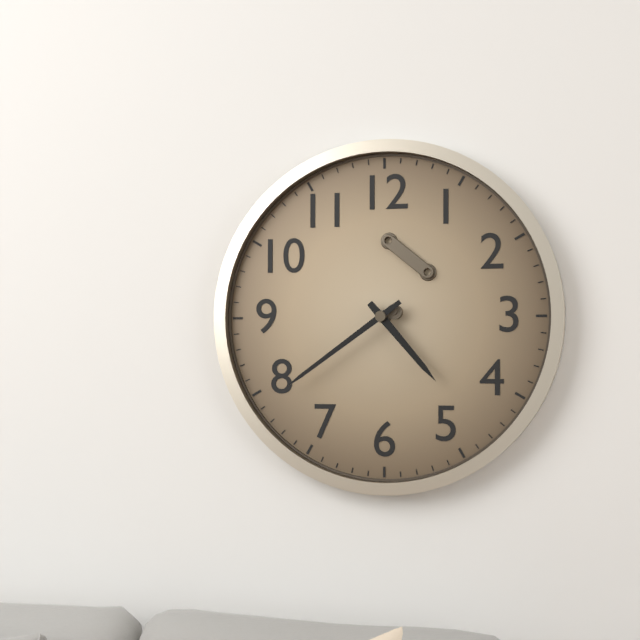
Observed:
{"hour": 4, "minute": 39}
